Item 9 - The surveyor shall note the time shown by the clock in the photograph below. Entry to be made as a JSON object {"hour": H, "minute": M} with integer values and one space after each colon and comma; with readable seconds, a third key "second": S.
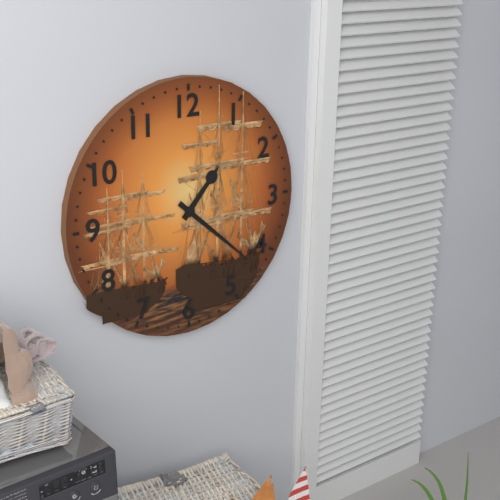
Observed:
{"hour": 1, "minute": 22}
